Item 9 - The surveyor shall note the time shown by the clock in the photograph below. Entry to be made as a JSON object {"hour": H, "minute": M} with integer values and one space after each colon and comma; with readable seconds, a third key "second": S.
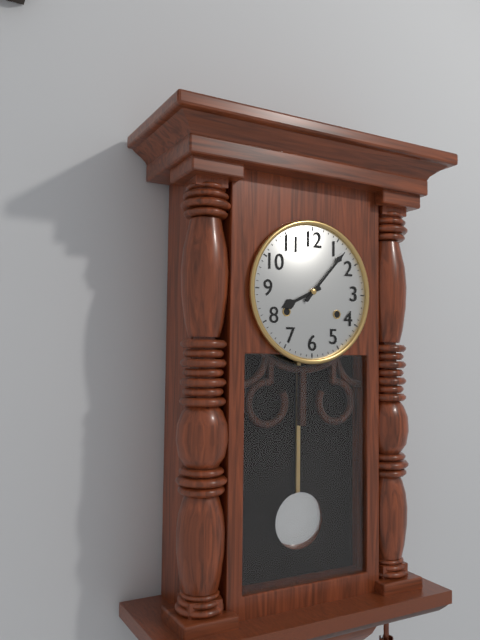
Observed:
{"hour": 8, "minute": 7}
